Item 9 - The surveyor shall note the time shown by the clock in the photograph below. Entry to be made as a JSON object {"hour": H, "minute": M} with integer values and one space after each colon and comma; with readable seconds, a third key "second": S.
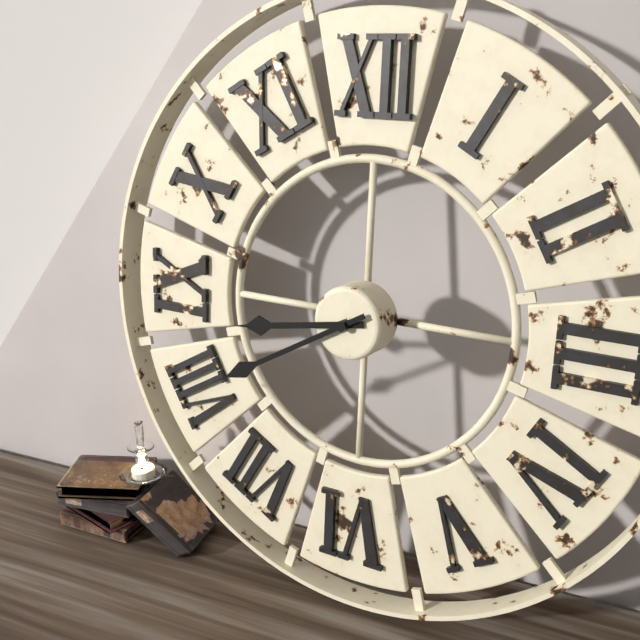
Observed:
{"hour": 8, "minute": 40}
